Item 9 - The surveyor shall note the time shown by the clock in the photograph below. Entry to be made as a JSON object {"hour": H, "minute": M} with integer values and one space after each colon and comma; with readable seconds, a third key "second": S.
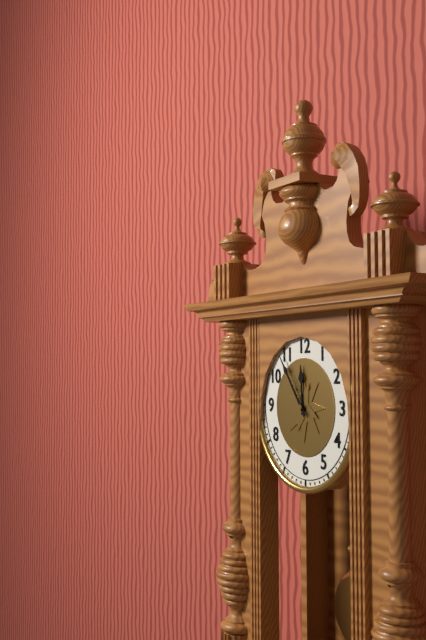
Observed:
{"hour": 11, "minute": 54}
